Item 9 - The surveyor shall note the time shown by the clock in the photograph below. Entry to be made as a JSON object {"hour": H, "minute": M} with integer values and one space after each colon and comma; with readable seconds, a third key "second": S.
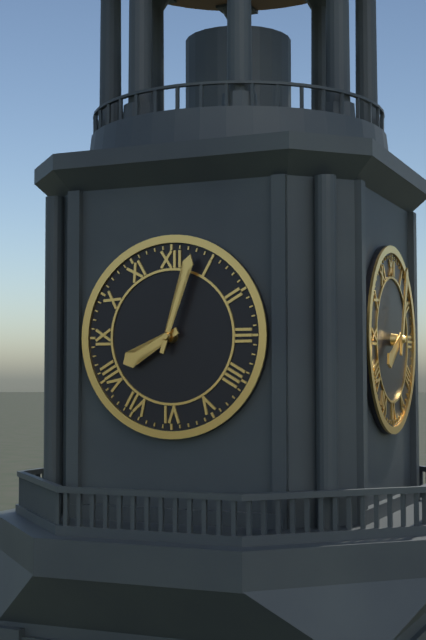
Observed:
{"hour": 8, "minute": 3}
